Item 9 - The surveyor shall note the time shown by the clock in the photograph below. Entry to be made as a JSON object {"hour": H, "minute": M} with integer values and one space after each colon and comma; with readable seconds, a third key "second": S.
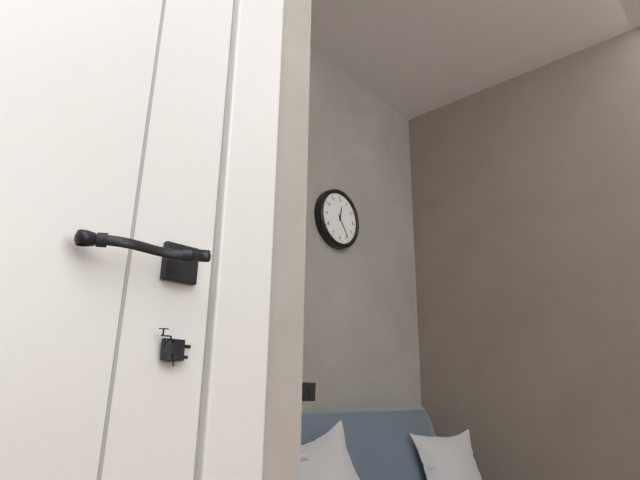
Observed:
{"hour": 12, "minute": 24}
